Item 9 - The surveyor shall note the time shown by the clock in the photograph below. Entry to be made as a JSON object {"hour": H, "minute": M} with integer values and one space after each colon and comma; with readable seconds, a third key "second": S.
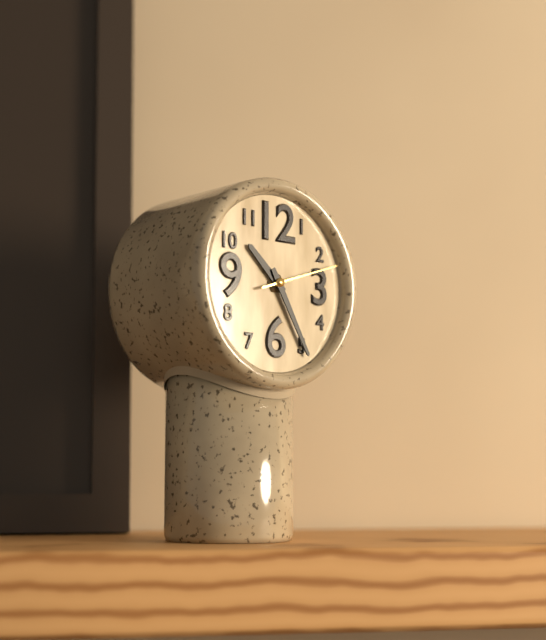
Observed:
{"hour": 10, "minute": 25, "second": 12}
